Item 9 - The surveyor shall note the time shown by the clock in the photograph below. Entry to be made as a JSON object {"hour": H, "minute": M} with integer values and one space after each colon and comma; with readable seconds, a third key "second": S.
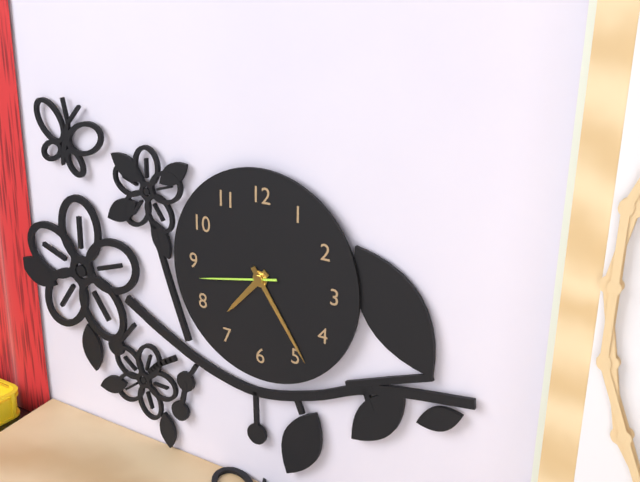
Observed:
{"hour": 7, "minute": 24, "second": 43}
